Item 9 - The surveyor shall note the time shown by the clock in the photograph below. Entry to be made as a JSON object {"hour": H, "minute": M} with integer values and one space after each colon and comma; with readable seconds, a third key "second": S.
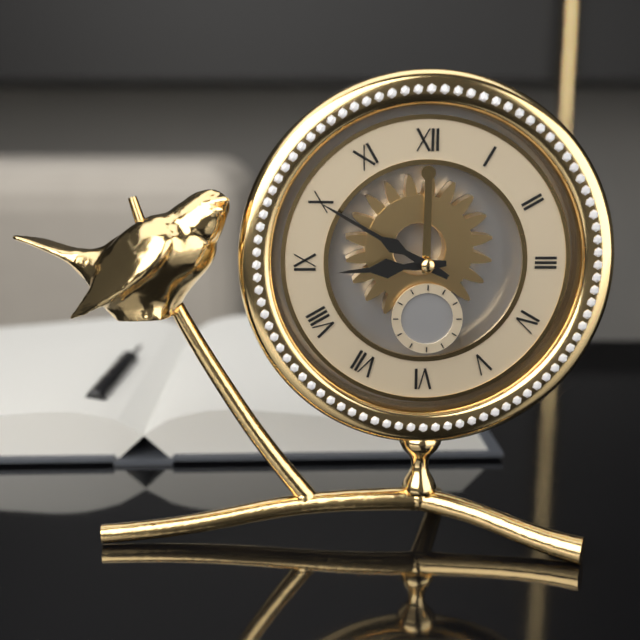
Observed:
{"hour": 8, "minute": 50}
